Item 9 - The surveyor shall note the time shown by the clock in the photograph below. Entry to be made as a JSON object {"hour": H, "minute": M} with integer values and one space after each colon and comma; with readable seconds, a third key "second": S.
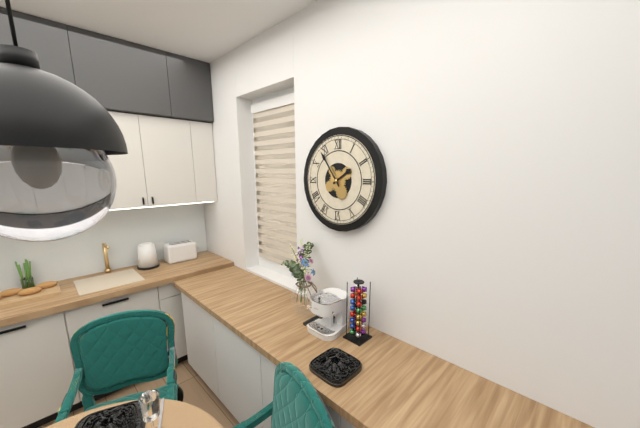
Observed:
{"hour": 1, "minute": 54}
